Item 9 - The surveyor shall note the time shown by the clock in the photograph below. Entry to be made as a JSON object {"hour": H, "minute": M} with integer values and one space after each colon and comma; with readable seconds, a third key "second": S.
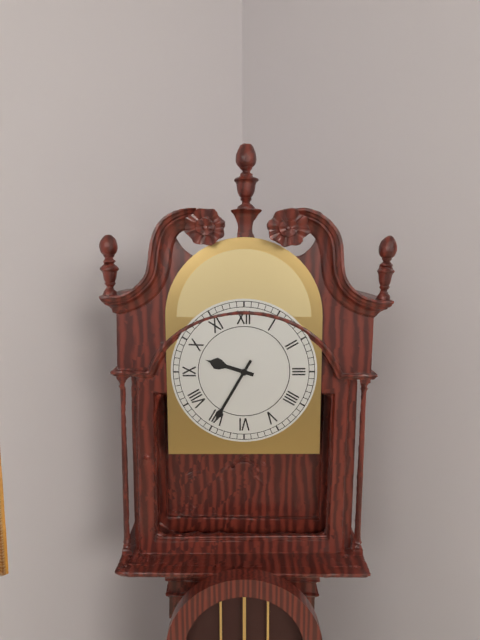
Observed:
{"hour": 9, "minute": 35}
